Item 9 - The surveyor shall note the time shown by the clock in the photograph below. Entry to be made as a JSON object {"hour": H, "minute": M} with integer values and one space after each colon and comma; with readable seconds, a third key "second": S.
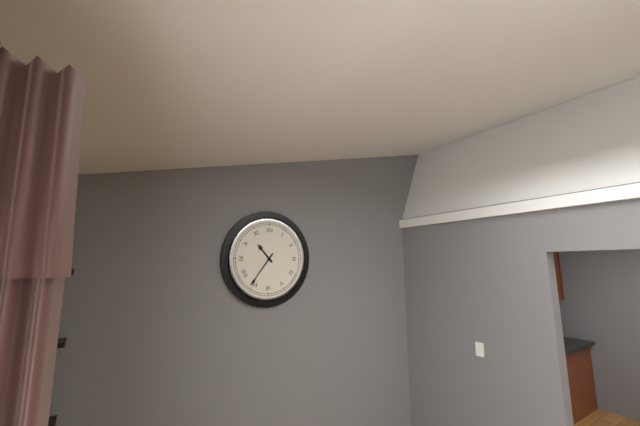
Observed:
{"hour": 10, "minute": 36}
